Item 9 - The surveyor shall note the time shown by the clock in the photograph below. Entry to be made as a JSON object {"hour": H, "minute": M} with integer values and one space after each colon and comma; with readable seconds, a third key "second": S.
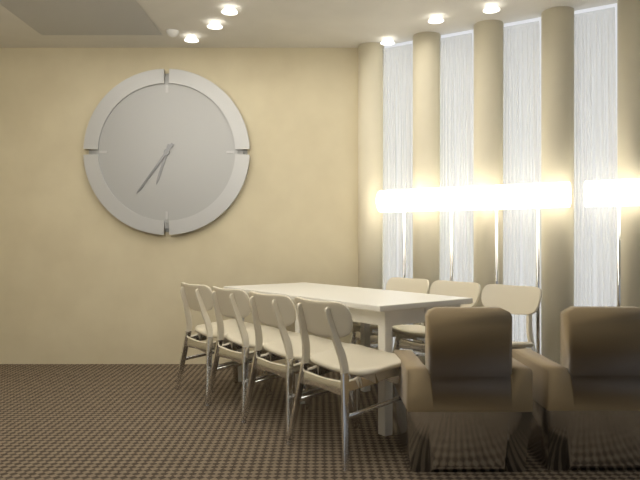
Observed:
{"hour": 6, "minute": 36}
